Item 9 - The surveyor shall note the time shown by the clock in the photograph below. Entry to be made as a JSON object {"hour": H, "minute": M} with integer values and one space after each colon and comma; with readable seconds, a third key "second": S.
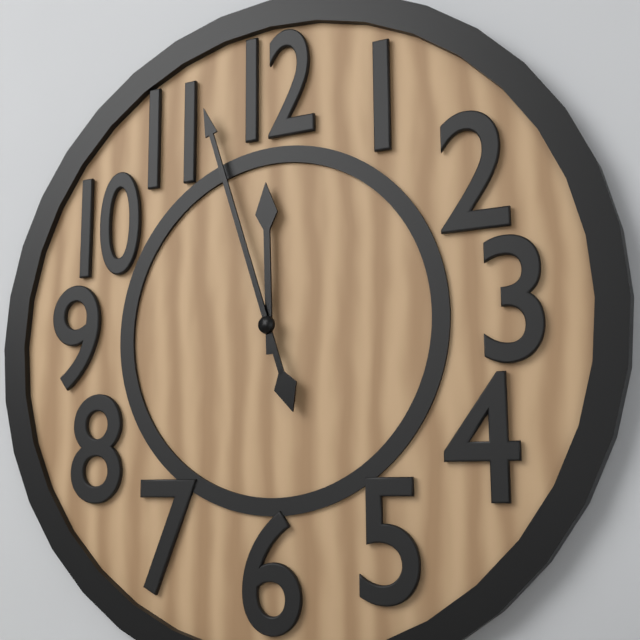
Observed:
{"hour": 11, "minute": 57}
